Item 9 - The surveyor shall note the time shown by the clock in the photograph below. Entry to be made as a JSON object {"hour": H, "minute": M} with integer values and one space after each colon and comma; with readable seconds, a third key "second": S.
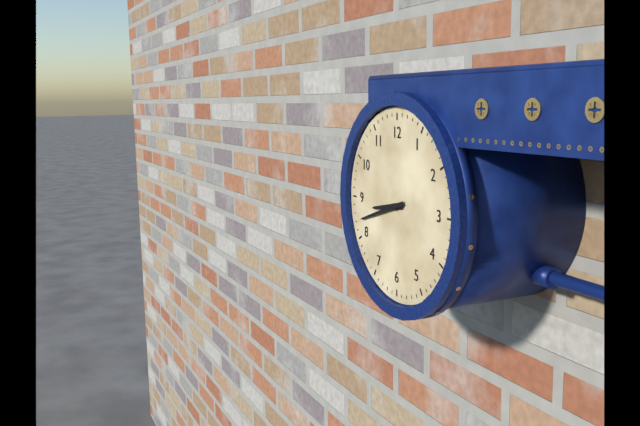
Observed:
{"hour": 8, "minute": 42}
